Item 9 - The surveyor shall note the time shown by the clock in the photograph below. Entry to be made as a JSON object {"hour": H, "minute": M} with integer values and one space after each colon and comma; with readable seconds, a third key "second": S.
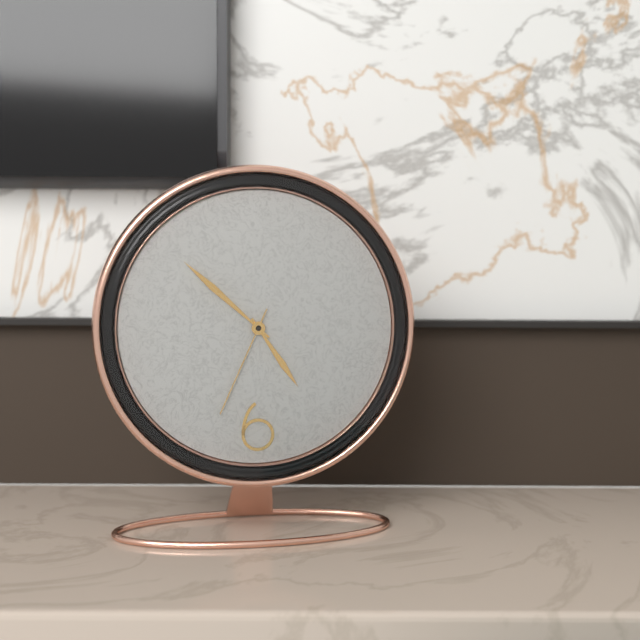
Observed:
{"hour": 4, "minute": 52, "second": 34}
